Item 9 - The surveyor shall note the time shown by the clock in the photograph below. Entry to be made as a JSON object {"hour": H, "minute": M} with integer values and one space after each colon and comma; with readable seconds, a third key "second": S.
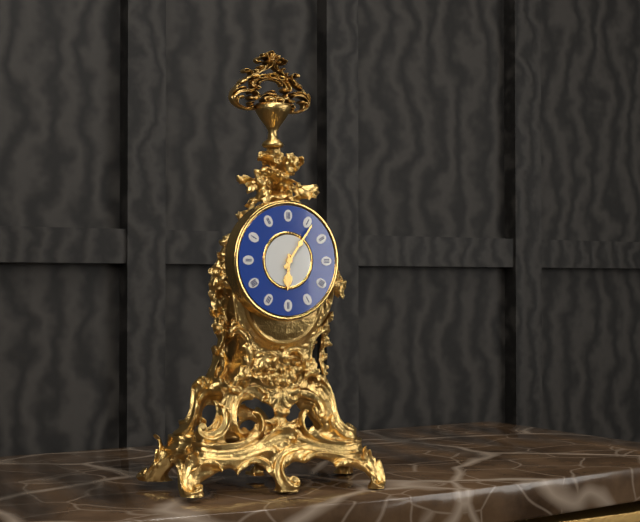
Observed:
{"hour": 6, "minute": 6}
